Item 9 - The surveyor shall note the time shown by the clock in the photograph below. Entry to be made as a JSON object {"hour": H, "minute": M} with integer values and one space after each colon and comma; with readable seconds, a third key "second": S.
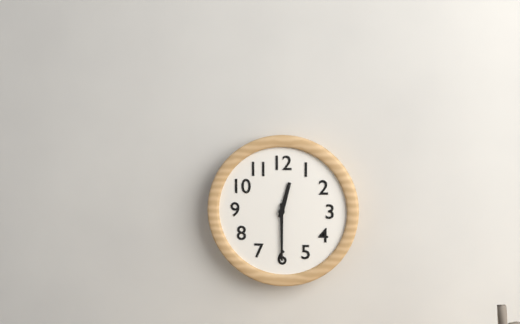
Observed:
{"hour": 12, "minute": 30}
